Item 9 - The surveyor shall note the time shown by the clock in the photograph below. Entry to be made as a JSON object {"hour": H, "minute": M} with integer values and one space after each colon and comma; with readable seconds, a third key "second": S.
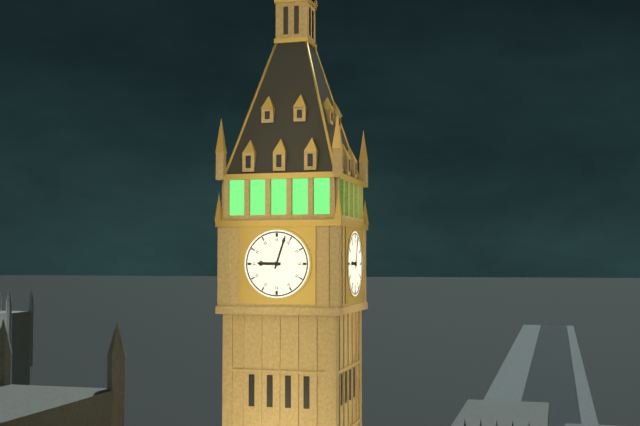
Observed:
{"hour": 9, "minute": 3}
